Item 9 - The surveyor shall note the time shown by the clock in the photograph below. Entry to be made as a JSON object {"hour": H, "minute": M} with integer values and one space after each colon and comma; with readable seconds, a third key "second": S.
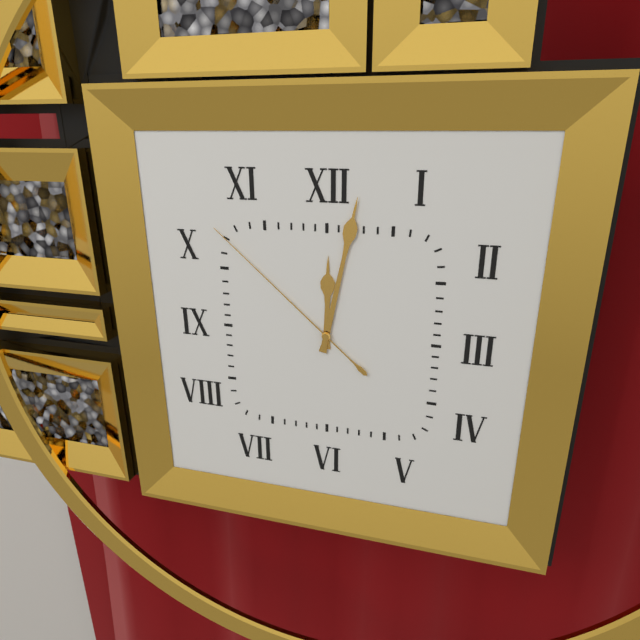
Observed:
{"hour": 12, "minute": 2, "second": 52}
